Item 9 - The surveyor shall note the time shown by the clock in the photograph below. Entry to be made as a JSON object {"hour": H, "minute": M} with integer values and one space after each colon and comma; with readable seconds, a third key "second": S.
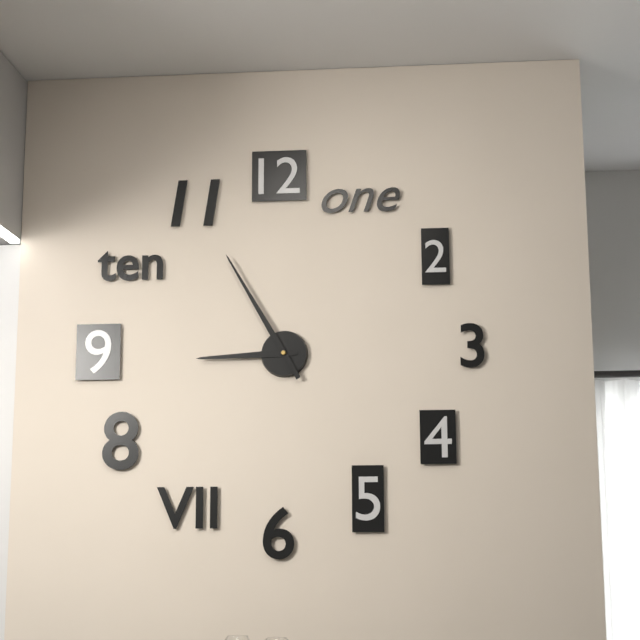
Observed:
{"hour": 8, "minute": 55}
